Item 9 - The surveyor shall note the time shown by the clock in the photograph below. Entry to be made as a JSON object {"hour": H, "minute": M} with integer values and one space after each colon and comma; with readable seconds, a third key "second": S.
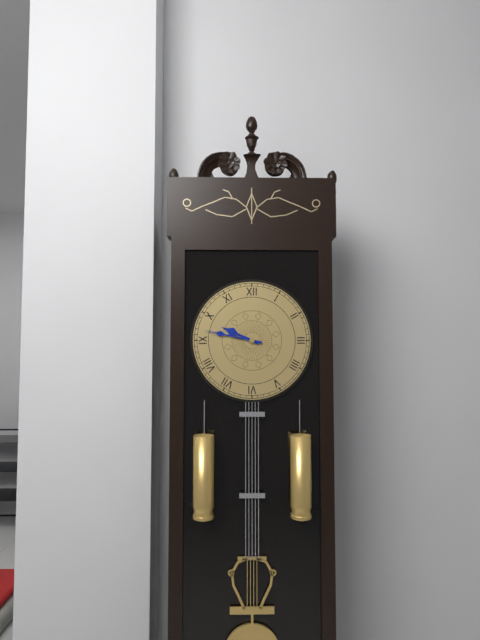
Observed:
{"hour": 9, "minute": 47}
